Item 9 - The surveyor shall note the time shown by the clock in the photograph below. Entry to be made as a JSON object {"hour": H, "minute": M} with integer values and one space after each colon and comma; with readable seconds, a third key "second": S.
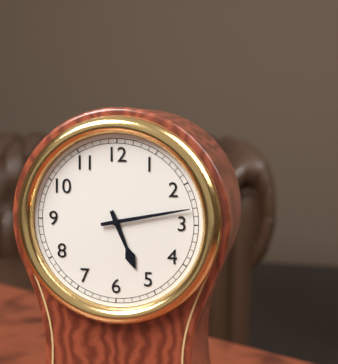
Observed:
{"hour": 5, "minute": 13}
